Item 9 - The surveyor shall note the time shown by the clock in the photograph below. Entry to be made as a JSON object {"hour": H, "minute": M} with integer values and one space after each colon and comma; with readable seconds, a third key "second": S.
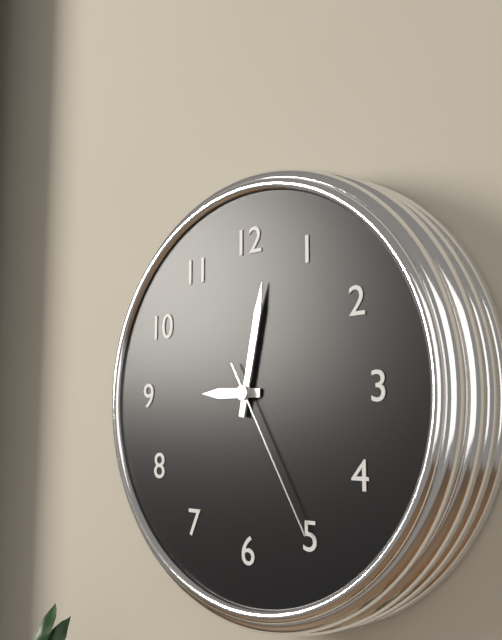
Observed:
{"hour": 9, "minute": 2, "second": 25}
